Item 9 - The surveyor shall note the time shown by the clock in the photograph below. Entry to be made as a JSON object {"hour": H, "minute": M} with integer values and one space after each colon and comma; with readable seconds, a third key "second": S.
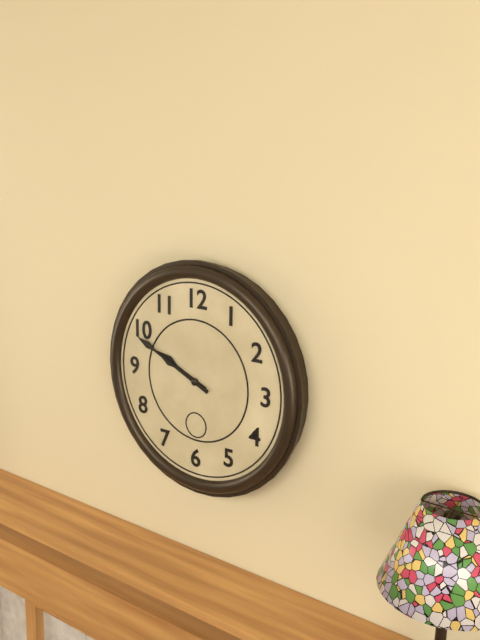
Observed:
{"hour": 9, "minute": 49}
